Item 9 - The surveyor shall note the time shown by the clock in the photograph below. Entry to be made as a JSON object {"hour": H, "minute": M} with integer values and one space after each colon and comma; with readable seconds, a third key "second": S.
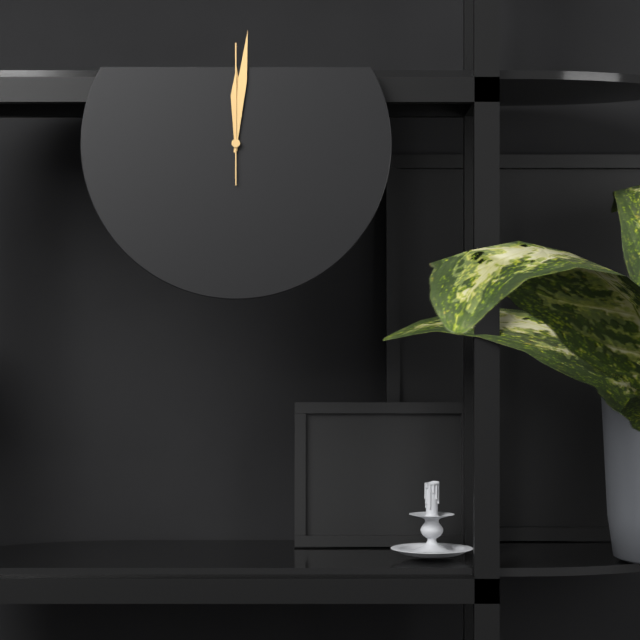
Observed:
{"hour": 12, "minute": 1, "second": 0}
